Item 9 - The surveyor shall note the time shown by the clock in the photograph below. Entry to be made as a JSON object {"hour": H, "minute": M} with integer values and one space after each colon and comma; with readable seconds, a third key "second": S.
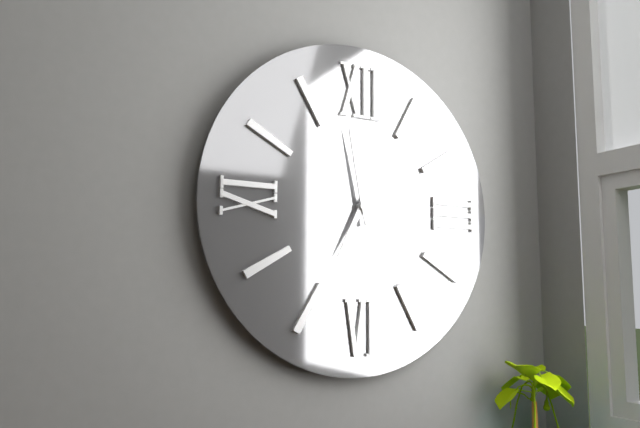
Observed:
{"hour": 6, "minute": 58}
